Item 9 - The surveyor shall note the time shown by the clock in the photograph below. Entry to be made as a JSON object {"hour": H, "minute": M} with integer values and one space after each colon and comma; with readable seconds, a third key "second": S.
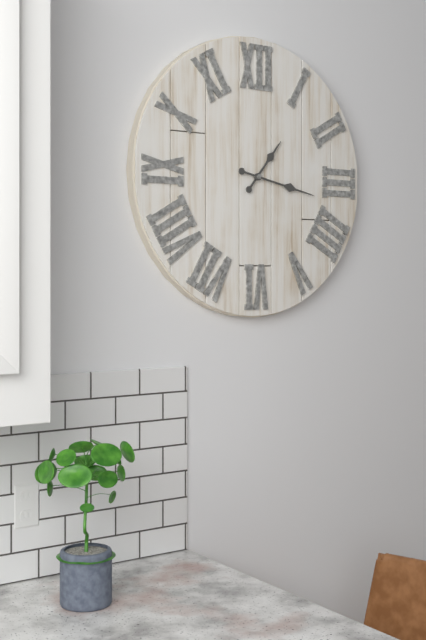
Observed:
{"hour": 1, "minute": 17}
